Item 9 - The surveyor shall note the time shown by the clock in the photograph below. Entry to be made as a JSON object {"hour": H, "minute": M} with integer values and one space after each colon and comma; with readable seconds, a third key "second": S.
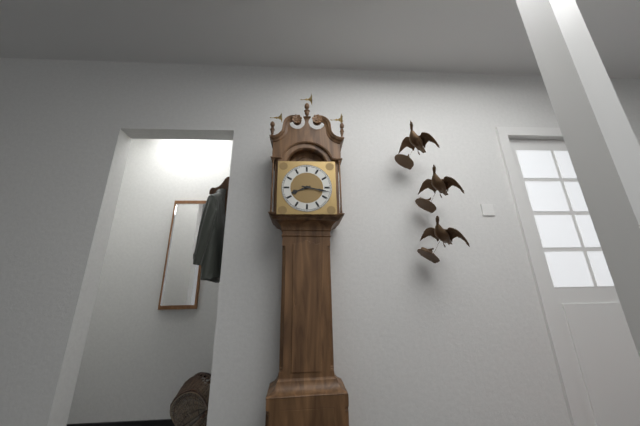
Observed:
{"hour": 8, "minute": 17}
